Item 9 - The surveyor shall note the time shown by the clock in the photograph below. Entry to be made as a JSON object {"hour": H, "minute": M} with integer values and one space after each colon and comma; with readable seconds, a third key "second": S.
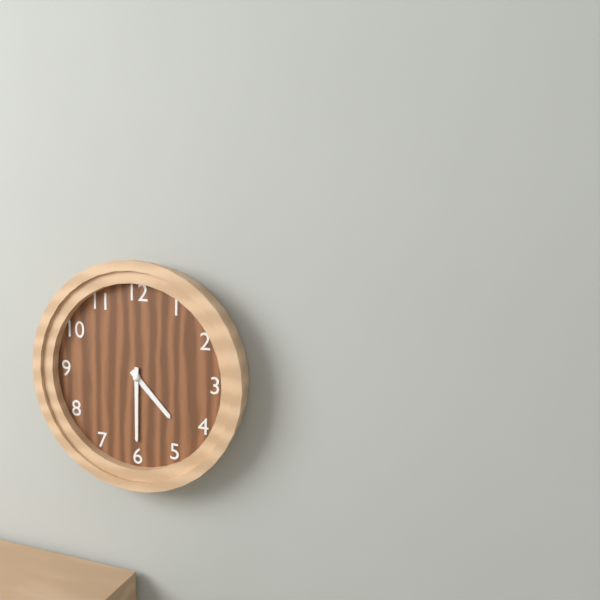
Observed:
{"hour": 4, "minute": 30}
